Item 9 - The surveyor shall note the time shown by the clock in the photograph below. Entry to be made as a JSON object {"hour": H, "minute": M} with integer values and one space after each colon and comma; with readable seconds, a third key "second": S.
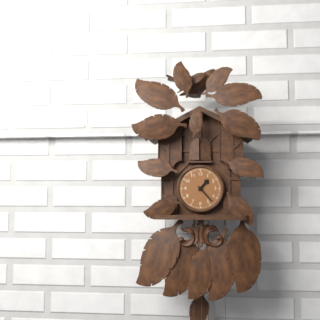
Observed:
{"hour": 1, "minute": 23}
